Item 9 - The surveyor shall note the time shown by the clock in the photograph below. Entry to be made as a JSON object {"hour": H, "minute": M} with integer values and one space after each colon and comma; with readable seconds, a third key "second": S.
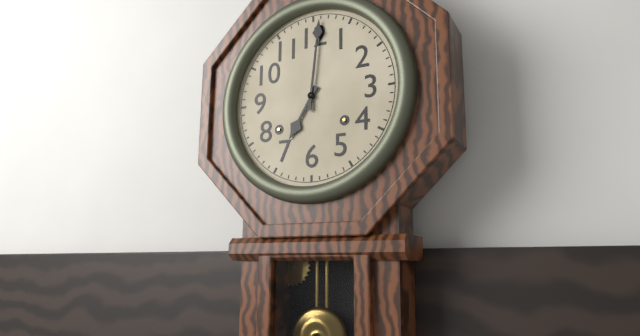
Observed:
{"hour": 7, "minute": 1}
